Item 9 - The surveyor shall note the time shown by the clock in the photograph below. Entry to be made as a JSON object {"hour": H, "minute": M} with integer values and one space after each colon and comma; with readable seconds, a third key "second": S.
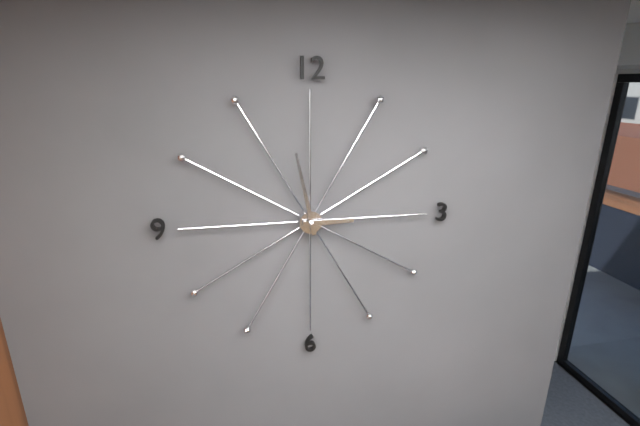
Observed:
{"hour": 2, "minute": 58}
